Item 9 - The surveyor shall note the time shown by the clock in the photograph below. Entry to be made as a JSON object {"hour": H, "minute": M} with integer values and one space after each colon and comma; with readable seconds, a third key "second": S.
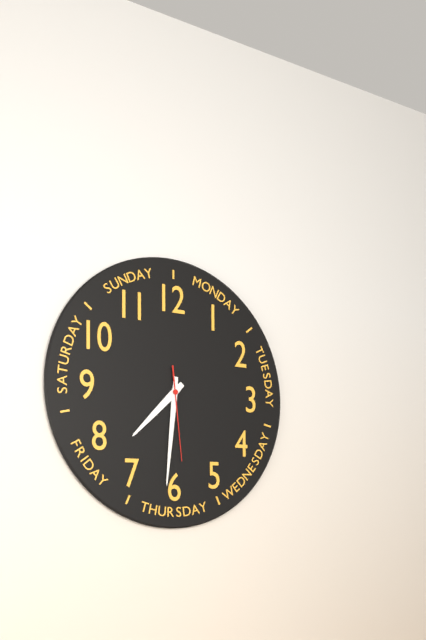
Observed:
{"hour": 7, "minute": 31, "second": 29}
